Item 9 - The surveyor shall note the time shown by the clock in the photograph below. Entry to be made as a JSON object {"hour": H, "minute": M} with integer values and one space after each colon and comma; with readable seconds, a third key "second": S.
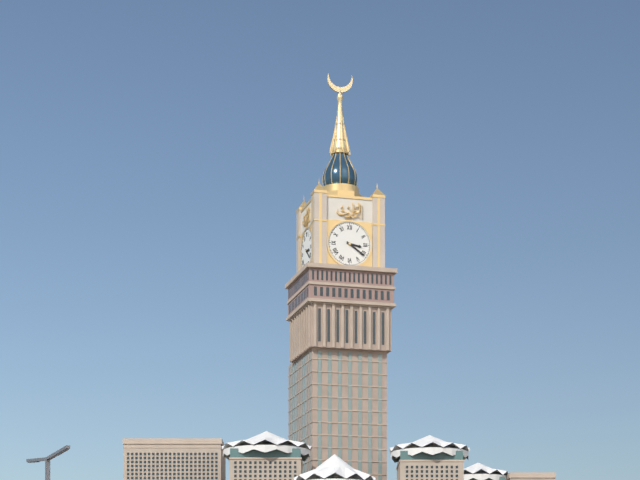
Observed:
{"hour": 3, "minute": 21}
